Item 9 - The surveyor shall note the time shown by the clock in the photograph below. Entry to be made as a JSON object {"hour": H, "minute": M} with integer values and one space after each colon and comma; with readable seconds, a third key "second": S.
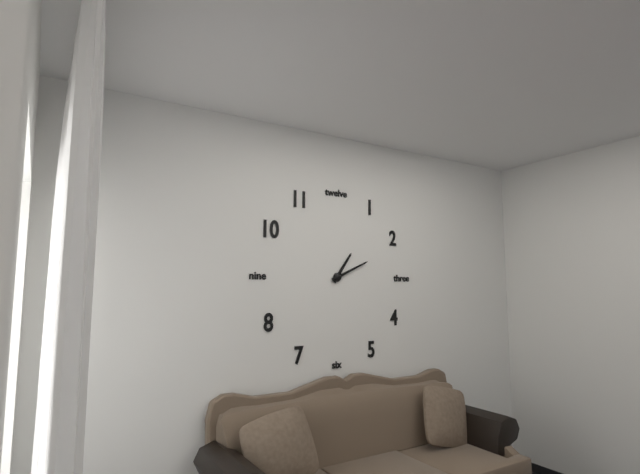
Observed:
{"hour": 1, "minute": 11}
